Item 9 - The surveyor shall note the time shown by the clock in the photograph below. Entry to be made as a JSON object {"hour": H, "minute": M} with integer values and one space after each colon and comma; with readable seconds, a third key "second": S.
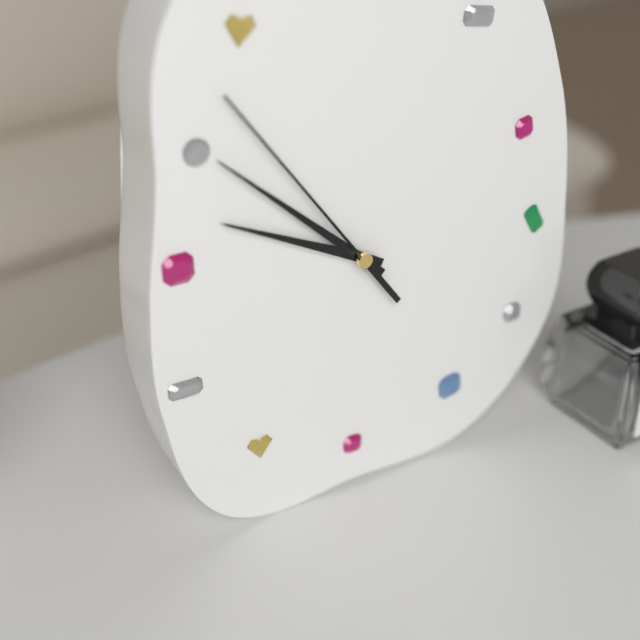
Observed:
{"hour": 9, "minute": 52, "second": 54}
